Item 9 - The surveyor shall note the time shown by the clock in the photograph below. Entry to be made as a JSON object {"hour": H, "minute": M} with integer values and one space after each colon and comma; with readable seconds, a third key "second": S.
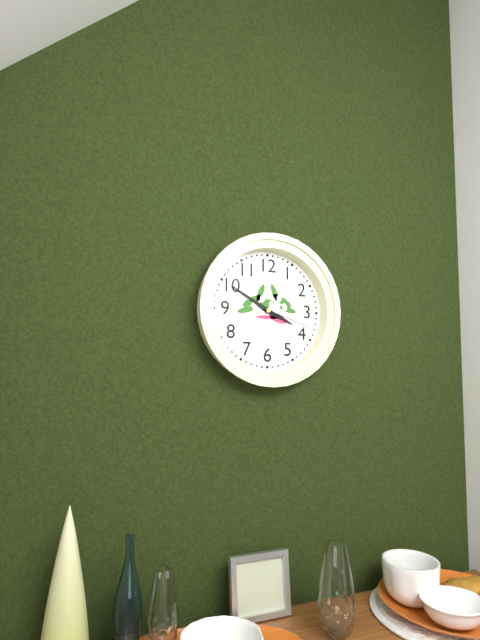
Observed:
{"hour": 3, "minute": 50, "second": 18}
